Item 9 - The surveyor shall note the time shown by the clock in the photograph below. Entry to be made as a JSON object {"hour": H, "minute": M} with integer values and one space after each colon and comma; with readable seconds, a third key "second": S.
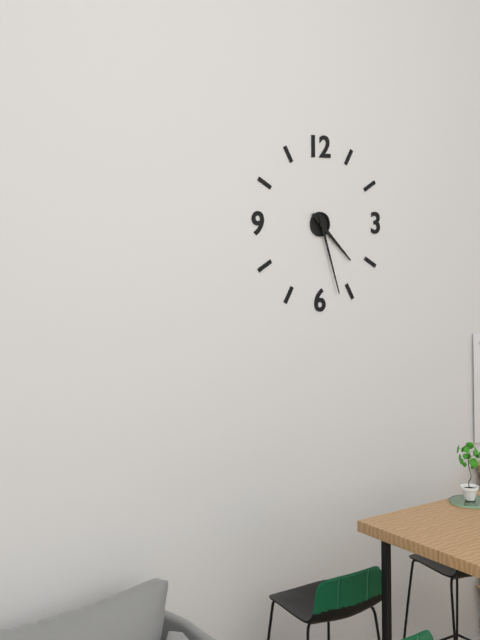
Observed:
{"hour": 4, "minute": 27}
